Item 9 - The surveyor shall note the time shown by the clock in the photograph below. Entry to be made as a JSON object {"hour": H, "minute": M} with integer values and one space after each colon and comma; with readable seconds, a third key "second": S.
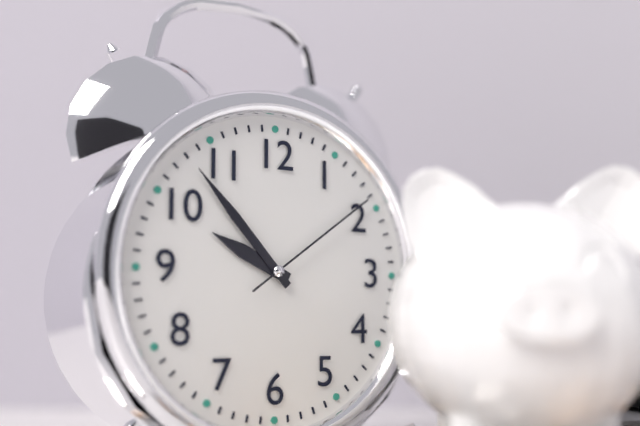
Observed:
{"hour": 9, "minute": 53, "second": 9}
